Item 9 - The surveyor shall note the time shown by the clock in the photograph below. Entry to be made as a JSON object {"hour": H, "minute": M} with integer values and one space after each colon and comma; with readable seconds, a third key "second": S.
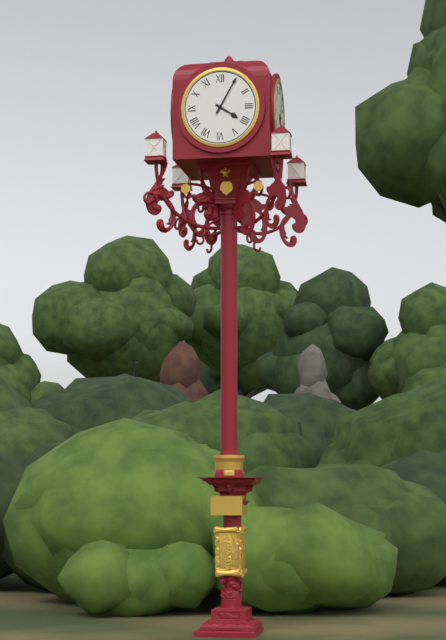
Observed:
{"hour": 4, "minute": 5}
